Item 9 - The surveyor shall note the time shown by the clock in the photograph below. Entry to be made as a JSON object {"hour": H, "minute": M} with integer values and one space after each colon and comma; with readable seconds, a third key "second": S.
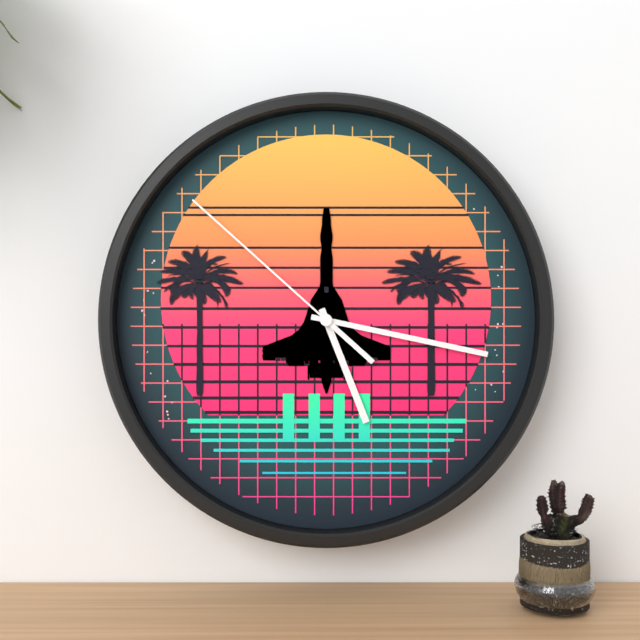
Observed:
{"hour": 5, "minute": 17, "second": 52}
